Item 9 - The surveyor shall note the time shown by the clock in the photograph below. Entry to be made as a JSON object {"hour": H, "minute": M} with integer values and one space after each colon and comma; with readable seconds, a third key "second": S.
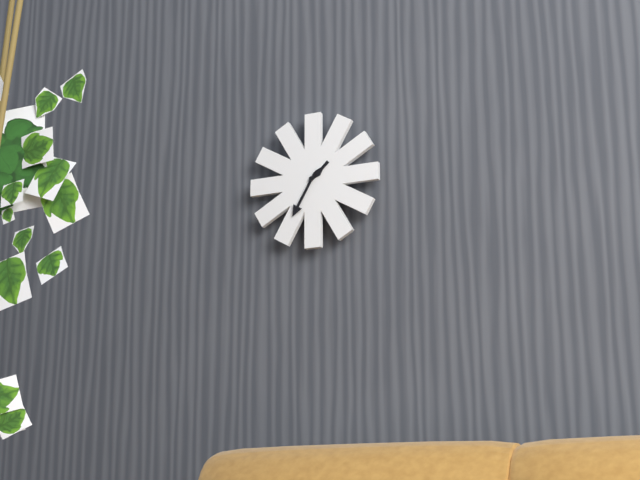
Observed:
{"hour": 1, "minute": 35}
